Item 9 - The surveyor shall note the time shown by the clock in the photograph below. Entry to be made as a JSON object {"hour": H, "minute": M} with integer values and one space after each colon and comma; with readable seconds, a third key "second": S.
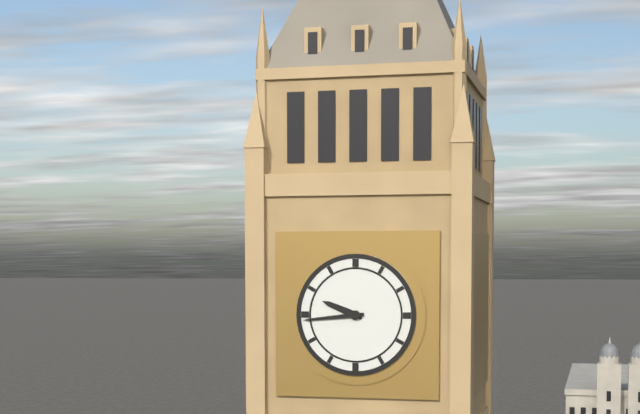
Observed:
{"hour": 9, "minute": 44}
